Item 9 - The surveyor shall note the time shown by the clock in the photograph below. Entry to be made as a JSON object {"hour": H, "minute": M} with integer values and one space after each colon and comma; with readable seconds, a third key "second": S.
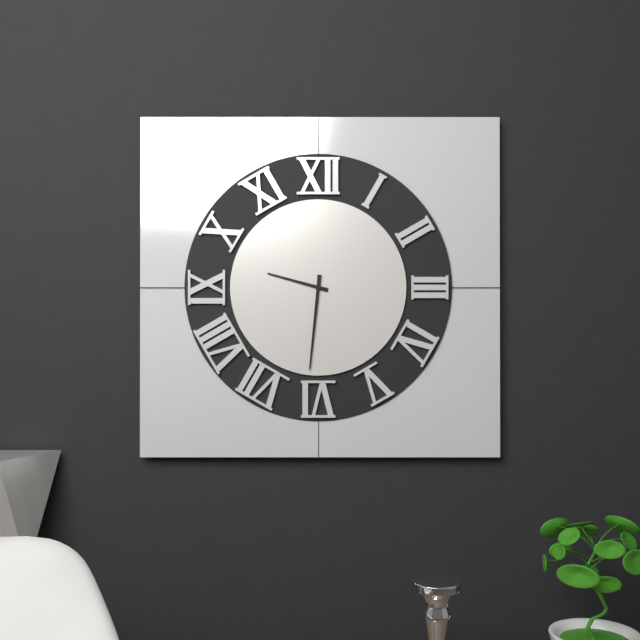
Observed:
{"hour": 9, "minute": 31}
